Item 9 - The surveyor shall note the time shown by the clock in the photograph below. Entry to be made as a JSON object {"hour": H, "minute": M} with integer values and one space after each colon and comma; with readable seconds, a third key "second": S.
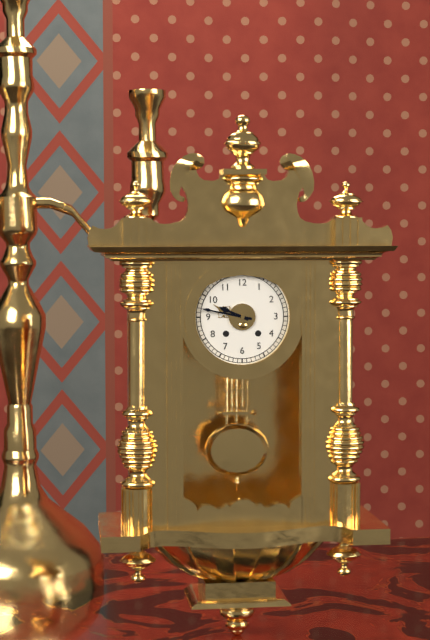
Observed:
{"hour": 9, "minute": 47}
